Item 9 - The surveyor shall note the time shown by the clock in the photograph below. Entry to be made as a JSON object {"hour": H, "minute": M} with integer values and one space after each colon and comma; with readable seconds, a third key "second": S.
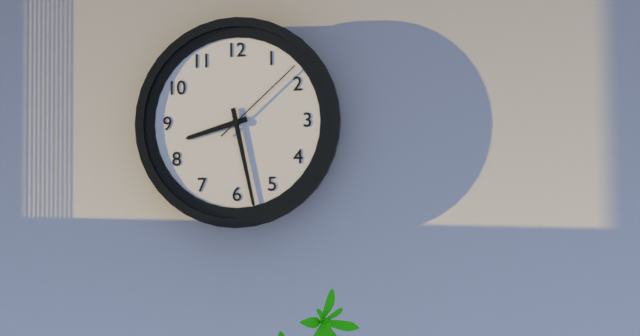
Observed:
{"hour": 8, "minute": 28, "second": 8}
